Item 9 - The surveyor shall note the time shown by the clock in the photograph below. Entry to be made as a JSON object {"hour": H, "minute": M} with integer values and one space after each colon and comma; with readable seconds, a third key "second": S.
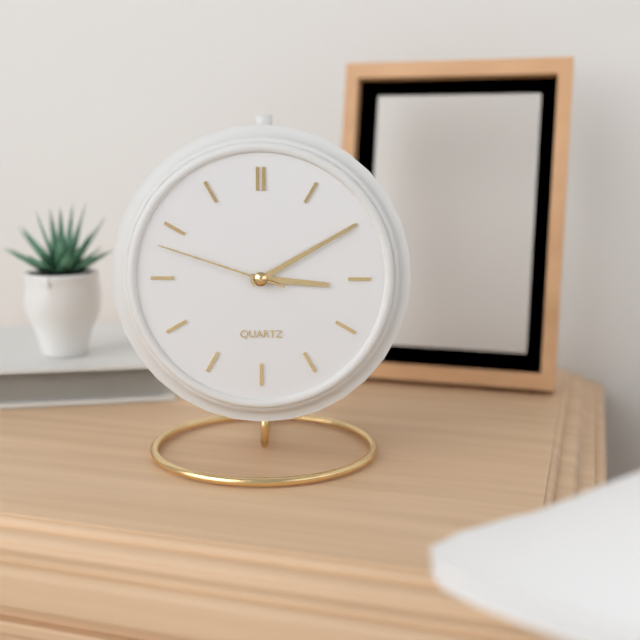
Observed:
{"hour": 3, "minute": 10, "second": 48}
